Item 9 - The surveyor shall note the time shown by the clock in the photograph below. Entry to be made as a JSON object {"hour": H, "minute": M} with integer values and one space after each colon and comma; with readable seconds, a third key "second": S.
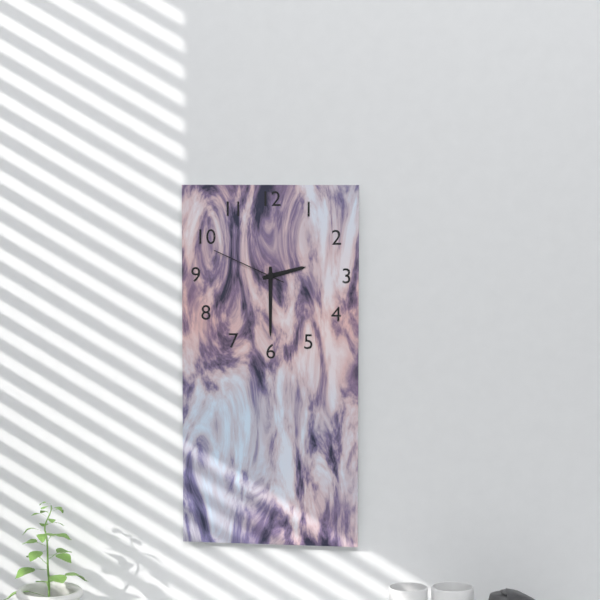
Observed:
{"hour": 2, "minute": 30, "second": 49}
